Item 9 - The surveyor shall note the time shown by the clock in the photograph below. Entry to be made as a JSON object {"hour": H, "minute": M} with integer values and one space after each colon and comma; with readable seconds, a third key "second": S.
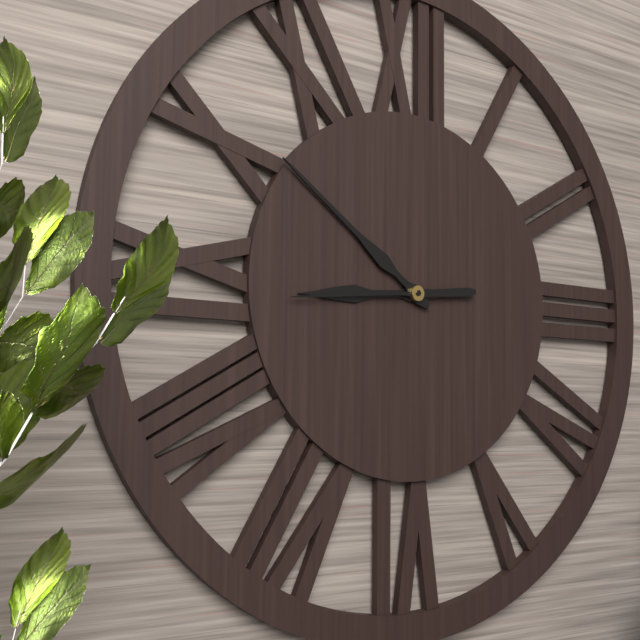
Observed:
{"hour": 8, "minute": 51, "second": 44}
